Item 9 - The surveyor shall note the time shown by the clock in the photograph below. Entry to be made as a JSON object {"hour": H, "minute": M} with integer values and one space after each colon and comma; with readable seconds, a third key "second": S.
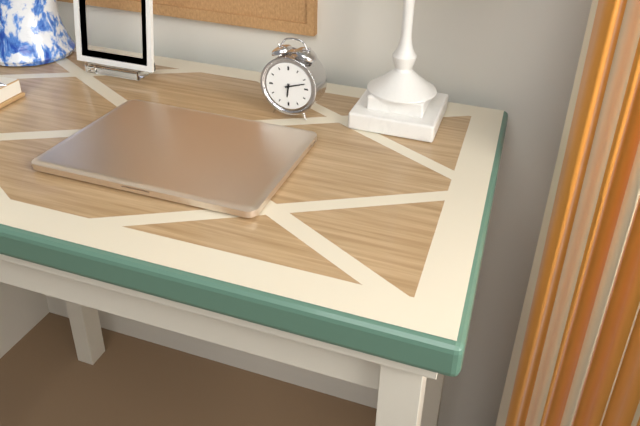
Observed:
{"hour": 6, "minute": 12}
